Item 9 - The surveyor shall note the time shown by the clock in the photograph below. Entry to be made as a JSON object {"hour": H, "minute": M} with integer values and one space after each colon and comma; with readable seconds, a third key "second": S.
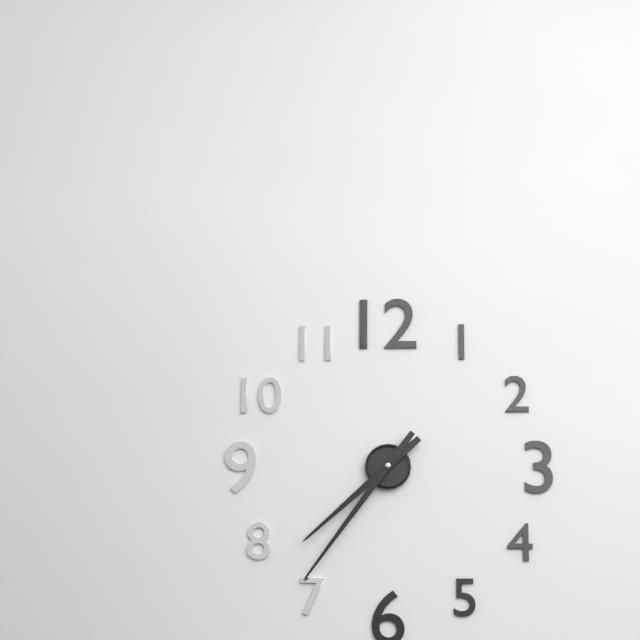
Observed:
{"hour": 7, "minute": 36}
